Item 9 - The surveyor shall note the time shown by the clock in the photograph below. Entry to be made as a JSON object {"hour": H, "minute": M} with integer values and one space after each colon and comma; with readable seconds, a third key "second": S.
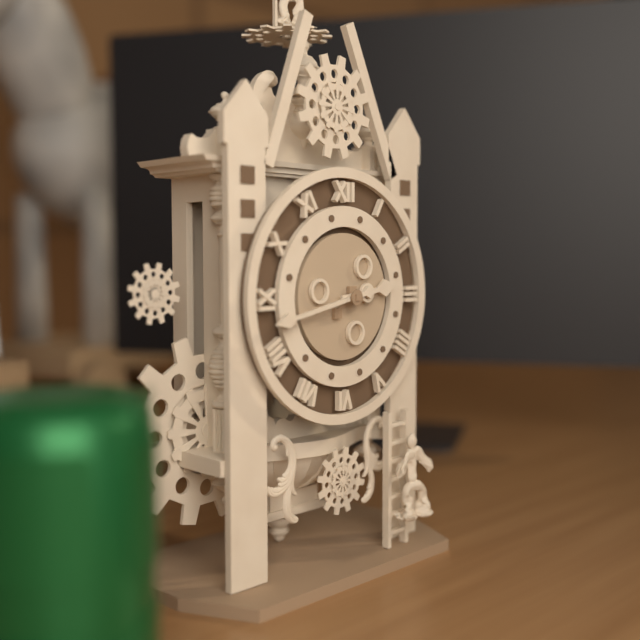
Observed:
{"hour": 2, "minute": 43}
